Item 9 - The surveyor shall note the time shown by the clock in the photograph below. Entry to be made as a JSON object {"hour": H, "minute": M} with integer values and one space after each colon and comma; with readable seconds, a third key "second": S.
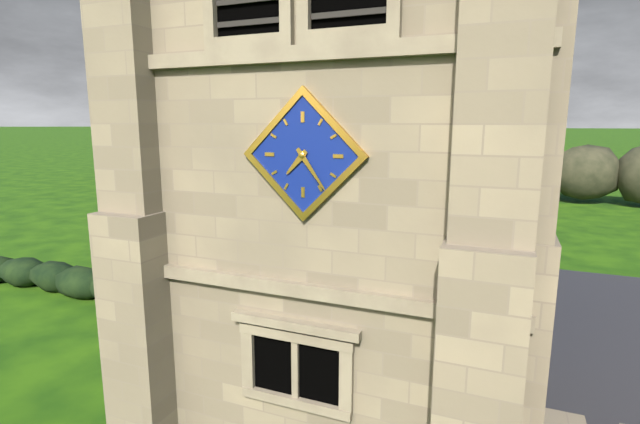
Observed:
{"hour": 7, "minute": 24}
